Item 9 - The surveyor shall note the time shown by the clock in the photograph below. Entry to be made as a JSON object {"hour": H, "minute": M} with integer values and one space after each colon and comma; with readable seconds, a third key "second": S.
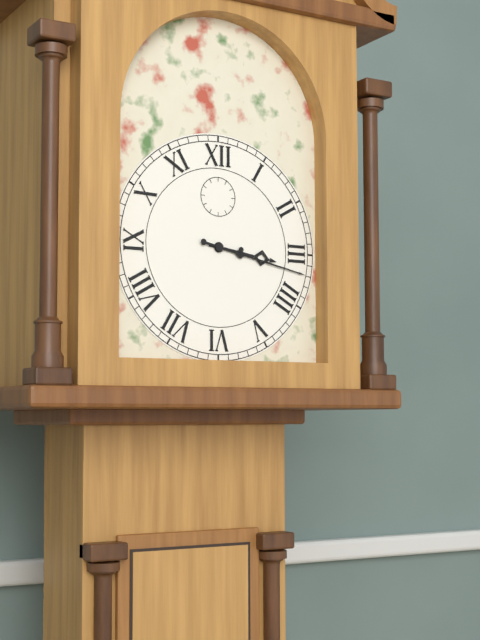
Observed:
{"hour": 3, "minute": 17}
